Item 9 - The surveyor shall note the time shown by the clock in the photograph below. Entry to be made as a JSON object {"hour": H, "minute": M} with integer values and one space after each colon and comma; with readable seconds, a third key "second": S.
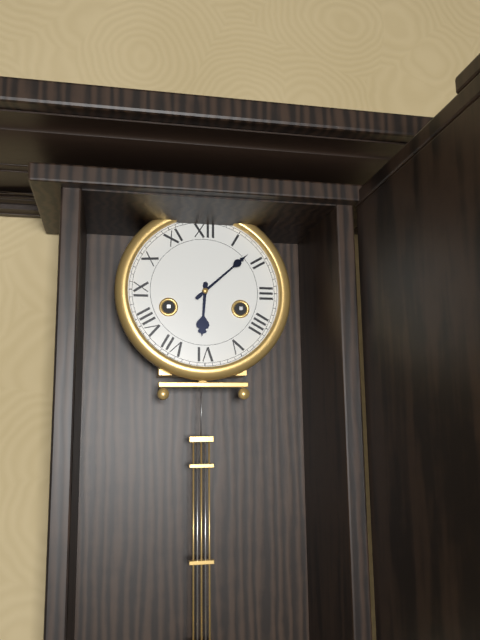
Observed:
{"hour": 6, "minute": 8}
